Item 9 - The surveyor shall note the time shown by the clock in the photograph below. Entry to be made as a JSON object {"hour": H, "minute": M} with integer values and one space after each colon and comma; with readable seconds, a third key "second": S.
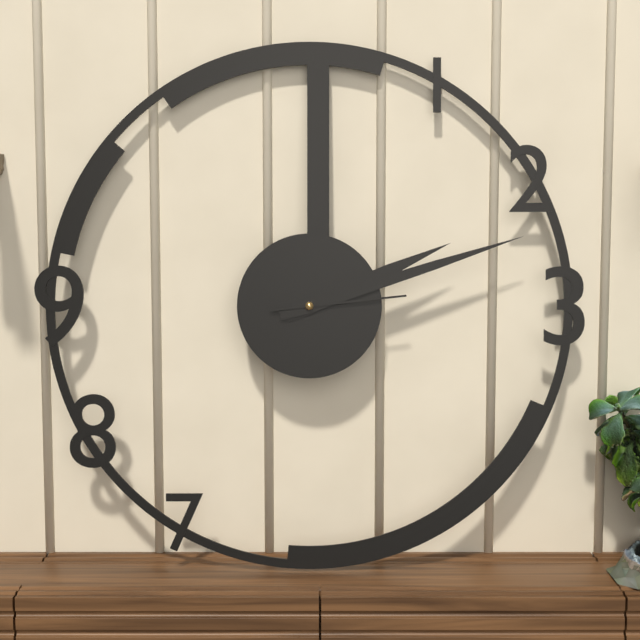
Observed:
{"hour": 2, "minute": 12, "second": 14}
